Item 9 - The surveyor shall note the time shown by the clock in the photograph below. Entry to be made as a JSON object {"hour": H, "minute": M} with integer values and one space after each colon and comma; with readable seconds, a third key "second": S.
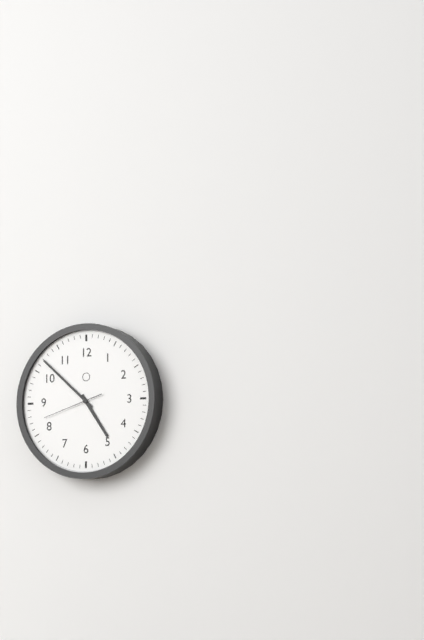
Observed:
{"hour": 4, "minute": 52, "second": 42}
